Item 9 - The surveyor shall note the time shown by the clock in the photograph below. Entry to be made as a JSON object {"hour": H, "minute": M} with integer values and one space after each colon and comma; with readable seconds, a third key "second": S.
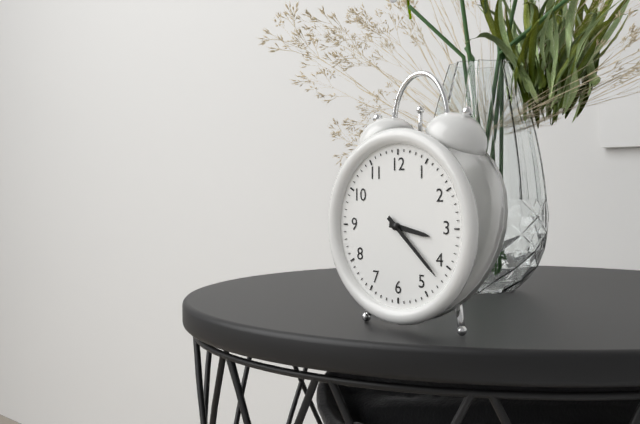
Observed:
{"hour": 3, "minute": 22}
